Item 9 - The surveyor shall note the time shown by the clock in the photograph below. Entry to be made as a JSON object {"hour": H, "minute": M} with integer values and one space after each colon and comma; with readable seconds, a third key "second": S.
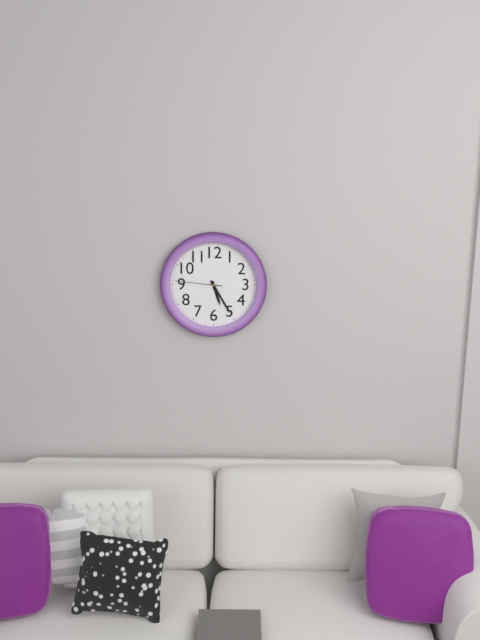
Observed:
{"hour": 5, "minute": 25}
